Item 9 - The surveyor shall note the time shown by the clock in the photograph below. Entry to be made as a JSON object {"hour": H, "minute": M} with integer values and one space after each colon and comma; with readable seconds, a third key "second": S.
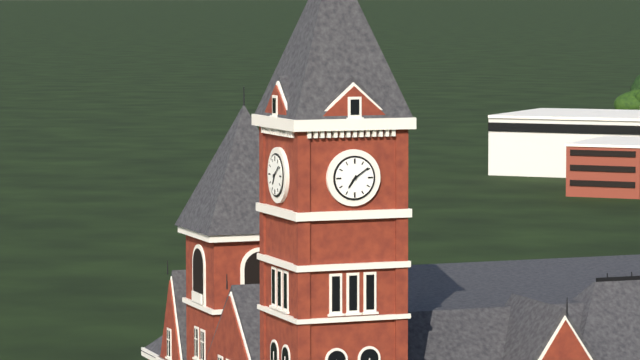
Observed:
{"hour": 7, "minute": 9}
